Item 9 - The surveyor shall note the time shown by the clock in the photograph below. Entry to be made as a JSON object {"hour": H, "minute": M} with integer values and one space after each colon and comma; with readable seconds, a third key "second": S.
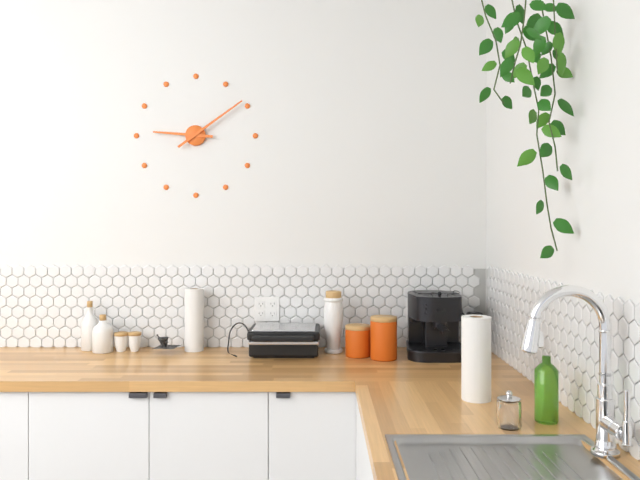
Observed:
{"hour": 9, "minute": 9}
